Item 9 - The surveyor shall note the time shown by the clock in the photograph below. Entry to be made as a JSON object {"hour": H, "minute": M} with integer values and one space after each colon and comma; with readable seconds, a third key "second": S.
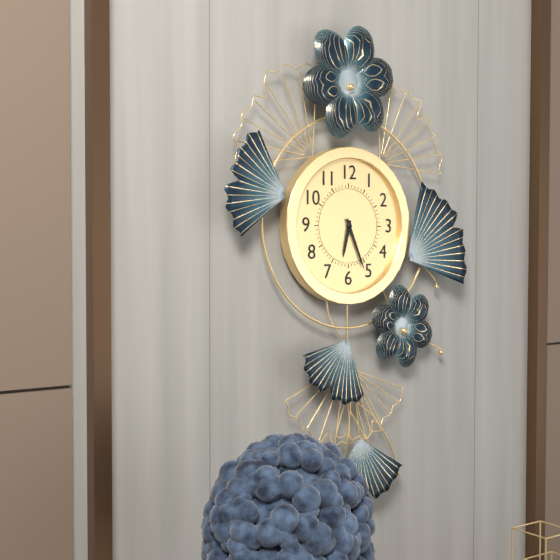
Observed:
{"hour": 6, "minute": 26}
